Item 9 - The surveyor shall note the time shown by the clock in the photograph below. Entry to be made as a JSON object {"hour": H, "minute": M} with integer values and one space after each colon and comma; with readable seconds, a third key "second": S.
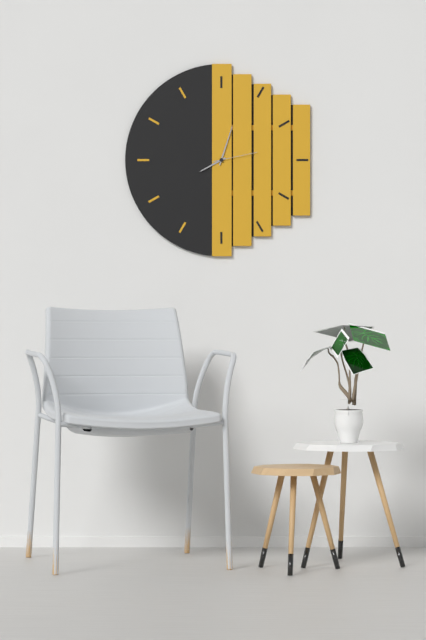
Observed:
{"hour": 8, "minute": 3}
